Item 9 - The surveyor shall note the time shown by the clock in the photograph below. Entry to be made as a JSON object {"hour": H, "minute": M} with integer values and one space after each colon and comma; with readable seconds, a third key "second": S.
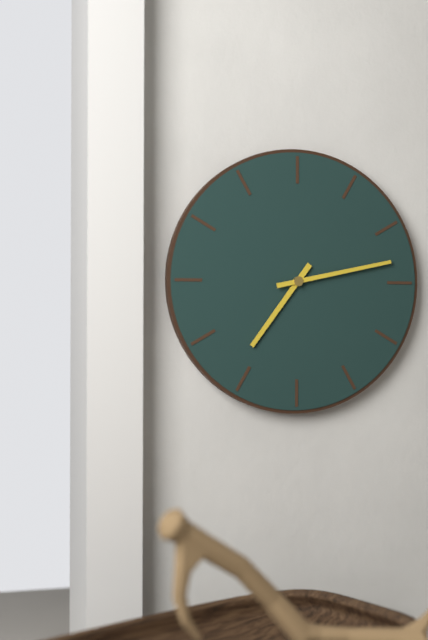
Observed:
{"hour": 7, "minute": 13}
